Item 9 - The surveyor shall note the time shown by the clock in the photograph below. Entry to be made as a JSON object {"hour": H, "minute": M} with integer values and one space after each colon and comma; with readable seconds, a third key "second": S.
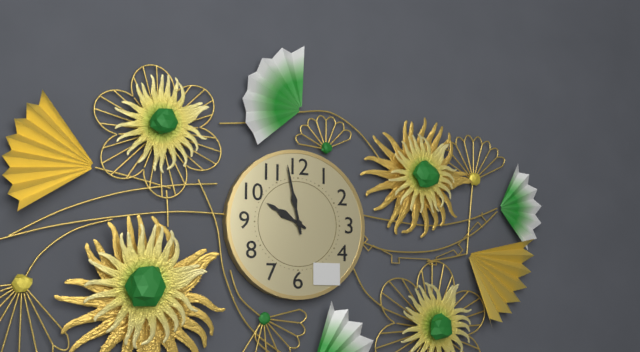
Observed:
{"hour": 9, "minute": 58}
